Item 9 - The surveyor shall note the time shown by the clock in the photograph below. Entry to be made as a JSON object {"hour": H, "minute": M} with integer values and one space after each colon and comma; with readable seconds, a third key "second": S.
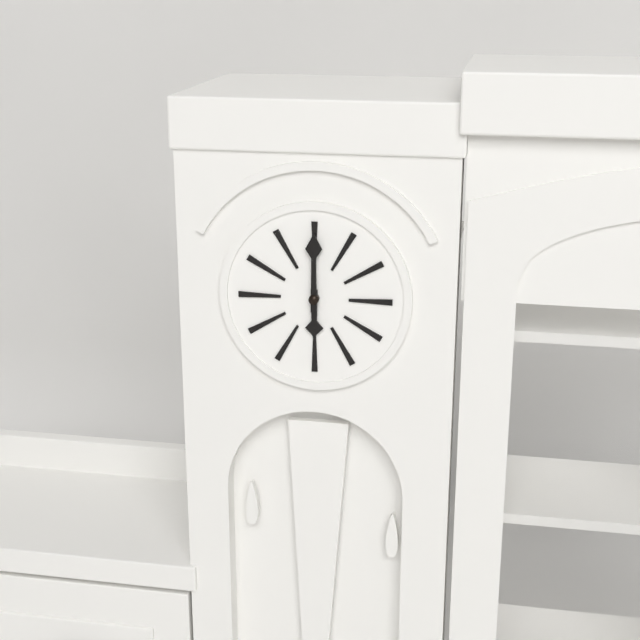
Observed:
{"hour": 6, "minute": 0}
